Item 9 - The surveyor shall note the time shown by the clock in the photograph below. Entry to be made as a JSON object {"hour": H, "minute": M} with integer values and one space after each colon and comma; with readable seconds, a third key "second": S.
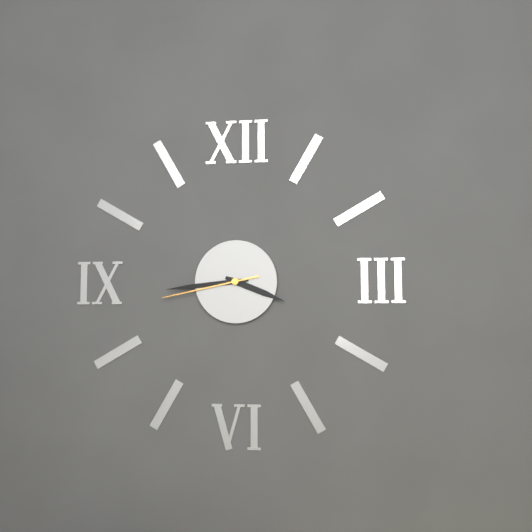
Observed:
{"hour": 3, "minute": 44, "second": 43}
